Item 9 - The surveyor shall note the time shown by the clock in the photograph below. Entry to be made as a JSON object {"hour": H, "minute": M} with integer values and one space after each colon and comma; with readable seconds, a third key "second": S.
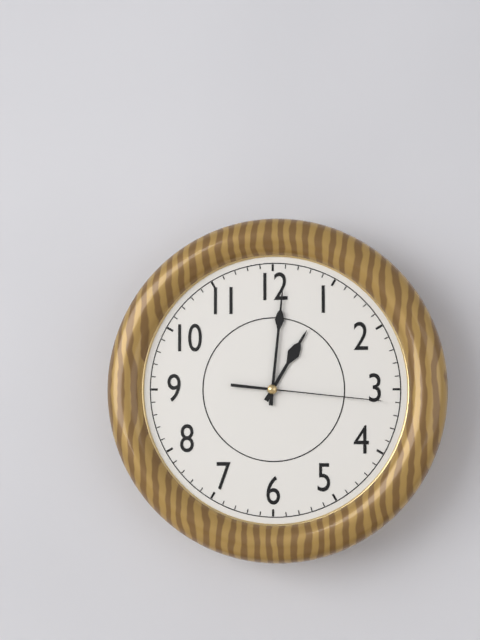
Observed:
{"hour": 1, "minute": 1, "second": 16}
